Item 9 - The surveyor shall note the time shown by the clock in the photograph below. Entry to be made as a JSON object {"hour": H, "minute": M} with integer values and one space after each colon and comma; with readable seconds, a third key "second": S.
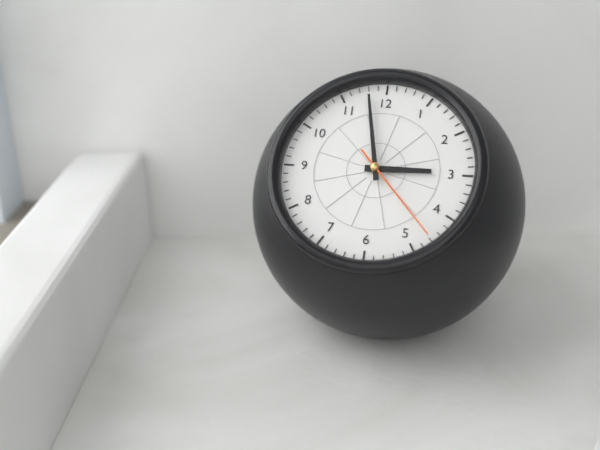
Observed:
{"hour": 2, "minute": 58, "second": 23}
